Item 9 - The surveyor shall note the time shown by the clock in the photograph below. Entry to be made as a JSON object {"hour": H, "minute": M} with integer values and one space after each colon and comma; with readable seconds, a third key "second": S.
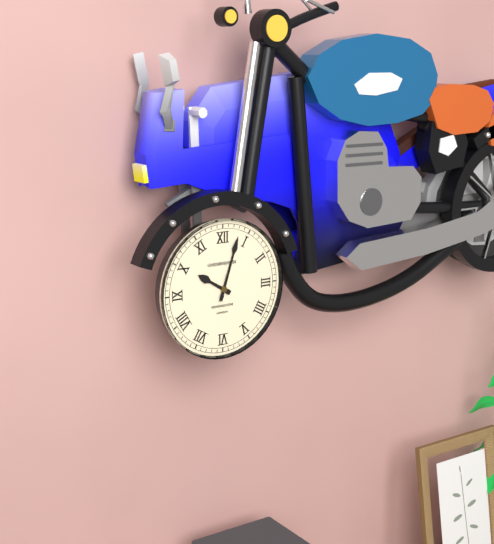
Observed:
{"hour": 10, "minute": 3}
